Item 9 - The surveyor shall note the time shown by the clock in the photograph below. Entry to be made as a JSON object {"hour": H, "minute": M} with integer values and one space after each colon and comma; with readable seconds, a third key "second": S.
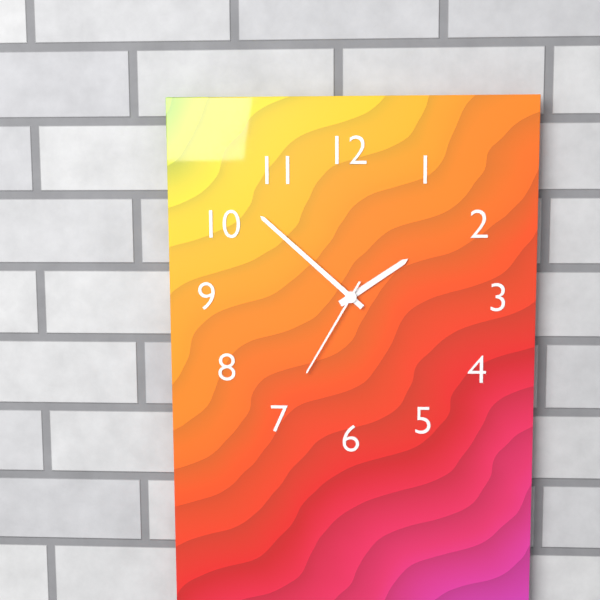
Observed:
{"hour": 1, "minute": 52, "second": 35}
